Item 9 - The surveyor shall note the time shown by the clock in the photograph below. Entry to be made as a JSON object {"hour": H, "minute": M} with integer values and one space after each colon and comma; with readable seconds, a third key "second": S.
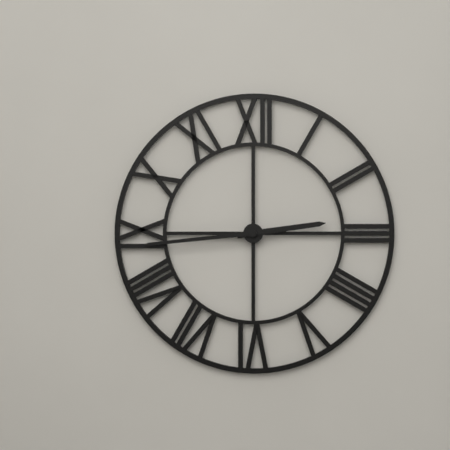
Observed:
{"hour": 2, "minute": 44}
